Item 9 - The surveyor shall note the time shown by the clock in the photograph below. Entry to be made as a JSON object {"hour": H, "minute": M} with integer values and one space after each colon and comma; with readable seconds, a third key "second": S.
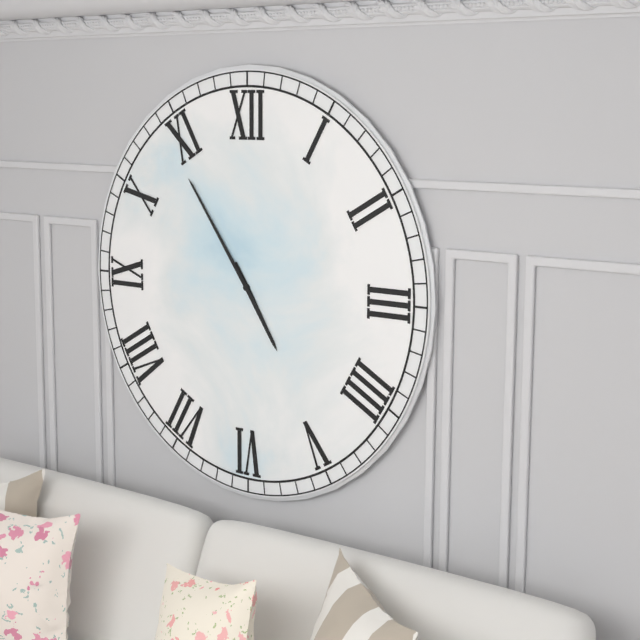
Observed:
{"hour": 4, "minute": 54}
